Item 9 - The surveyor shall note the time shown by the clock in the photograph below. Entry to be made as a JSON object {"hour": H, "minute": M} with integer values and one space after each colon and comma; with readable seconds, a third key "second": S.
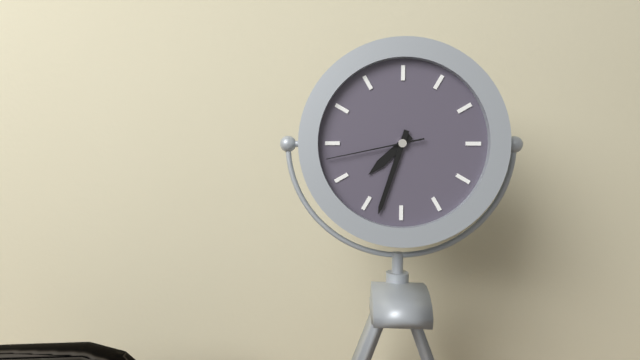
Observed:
{"hour": 7, "minute": 33, "second": 43}
